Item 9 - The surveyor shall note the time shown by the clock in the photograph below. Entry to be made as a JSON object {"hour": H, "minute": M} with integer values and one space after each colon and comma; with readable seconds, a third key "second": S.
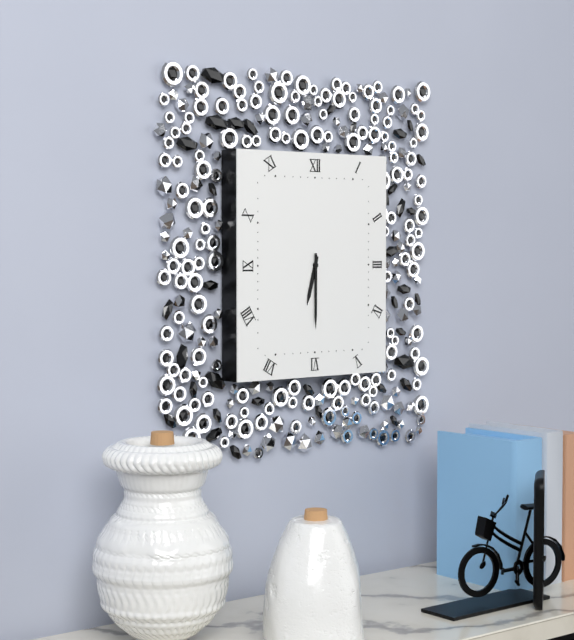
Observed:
{"hour": 6, "minute": 30}
